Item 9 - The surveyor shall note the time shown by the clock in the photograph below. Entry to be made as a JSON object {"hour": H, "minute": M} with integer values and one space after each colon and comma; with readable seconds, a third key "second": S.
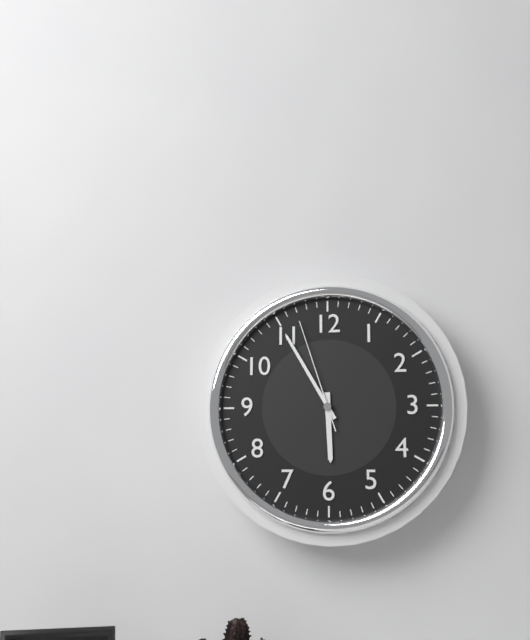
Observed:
{"hour": 5, "minute": 55, "second": 57}
